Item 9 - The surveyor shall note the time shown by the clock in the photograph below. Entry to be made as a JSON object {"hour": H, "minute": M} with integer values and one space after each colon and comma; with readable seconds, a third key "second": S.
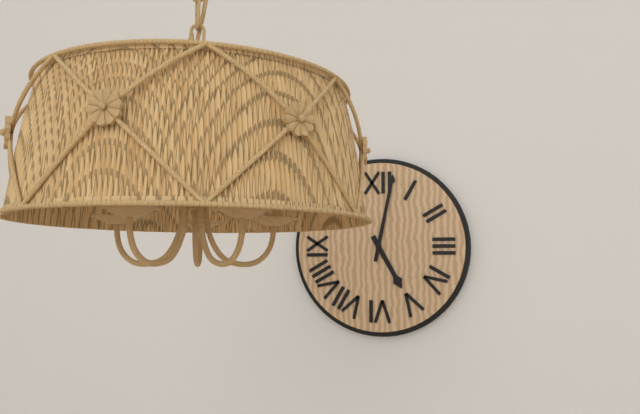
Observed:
{"hour": 5, "minute": 2}
